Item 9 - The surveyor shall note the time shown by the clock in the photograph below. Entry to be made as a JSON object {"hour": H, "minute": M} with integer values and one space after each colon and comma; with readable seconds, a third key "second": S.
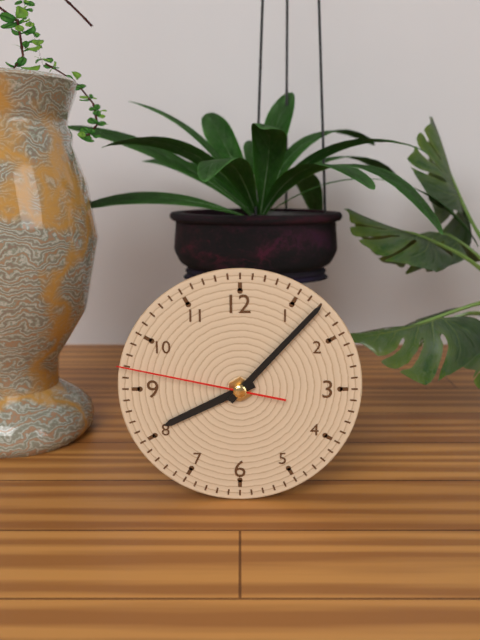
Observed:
{"hour": 8, "minute": 7, "second": 47}
